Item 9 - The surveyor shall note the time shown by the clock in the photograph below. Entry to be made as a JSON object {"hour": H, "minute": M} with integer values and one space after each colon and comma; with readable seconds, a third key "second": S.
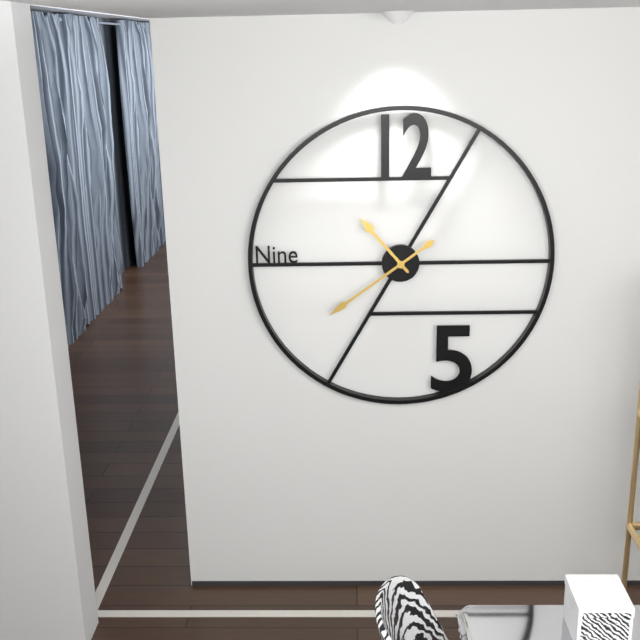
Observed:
{"hour": 10, "minute": 39}
